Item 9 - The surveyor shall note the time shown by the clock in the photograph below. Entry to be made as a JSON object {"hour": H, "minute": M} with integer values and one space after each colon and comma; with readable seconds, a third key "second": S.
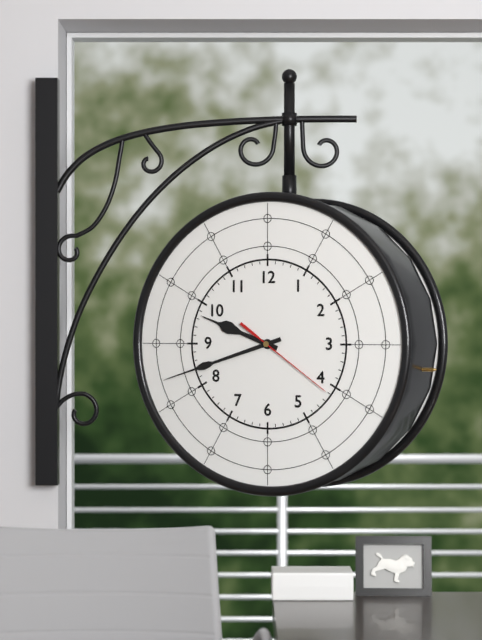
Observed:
{"hour": 9, "minute": 42, "second": 21}
